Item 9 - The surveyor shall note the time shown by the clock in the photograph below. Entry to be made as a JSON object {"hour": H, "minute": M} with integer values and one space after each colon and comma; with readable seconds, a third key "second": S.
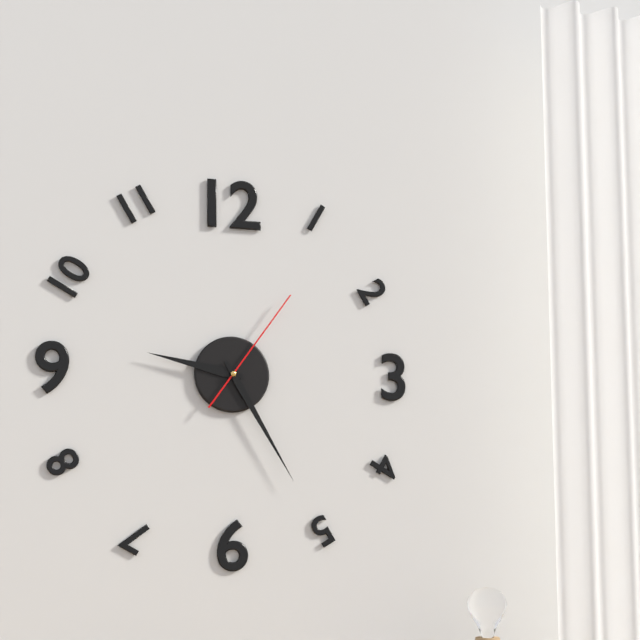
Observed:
{"hour": 9, "minute": 25, "second": 6}
